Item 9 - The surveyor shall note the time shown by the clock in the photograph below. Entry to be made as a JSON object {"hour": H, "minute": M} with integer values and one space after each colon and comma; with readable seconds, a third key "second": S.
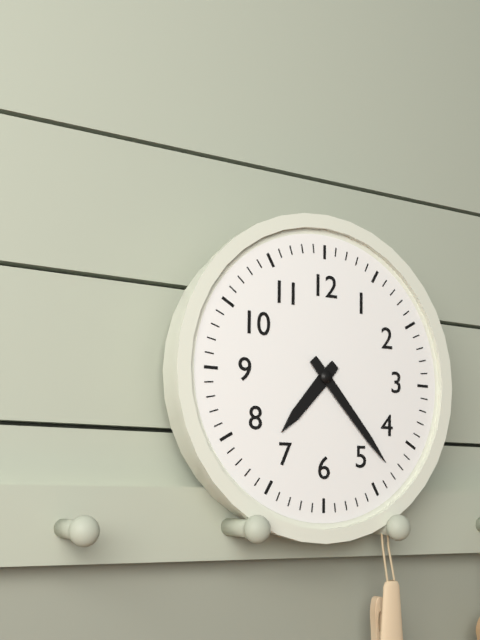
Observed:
{"hour": 7, "minute": 23}
